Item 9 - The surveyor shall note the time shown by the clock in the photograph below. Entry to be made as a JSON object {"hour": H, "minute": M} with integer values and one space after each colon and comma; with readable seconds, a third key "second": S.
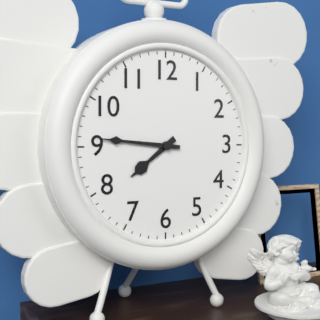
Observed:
{"hour": 7, "minute": 46}
